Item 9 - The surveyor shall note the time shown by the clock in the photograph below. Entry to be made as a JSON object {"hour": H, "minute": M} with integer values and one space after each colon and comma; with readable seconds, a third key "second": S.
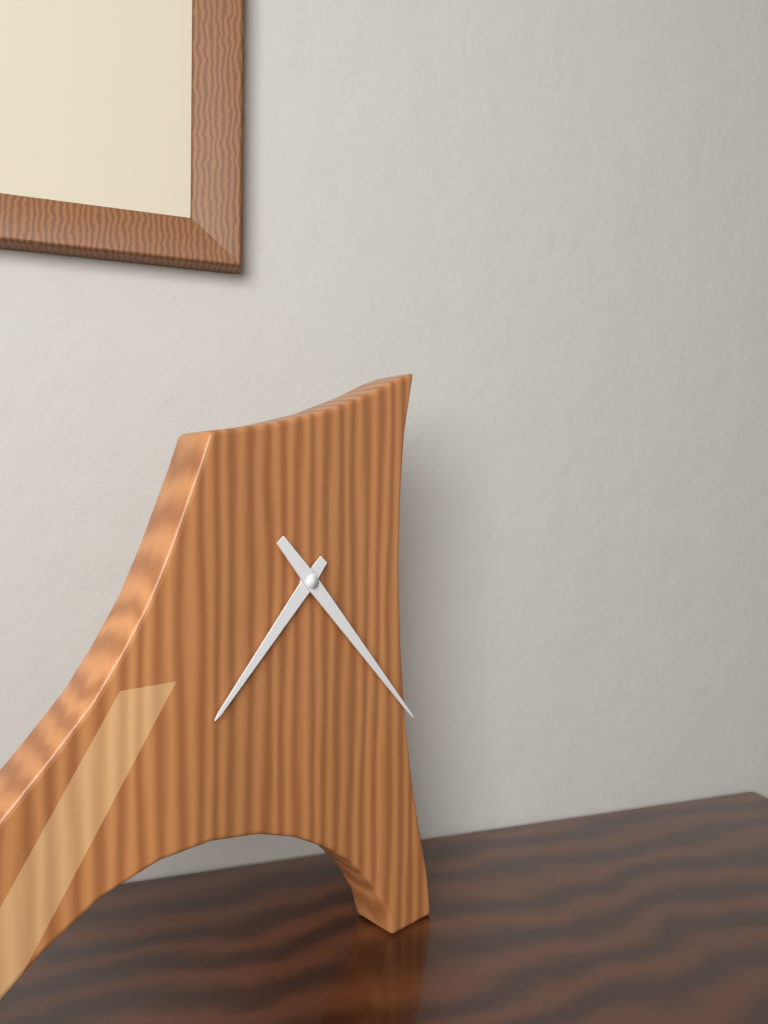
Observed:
{"hour": 7, "minute": 23}
